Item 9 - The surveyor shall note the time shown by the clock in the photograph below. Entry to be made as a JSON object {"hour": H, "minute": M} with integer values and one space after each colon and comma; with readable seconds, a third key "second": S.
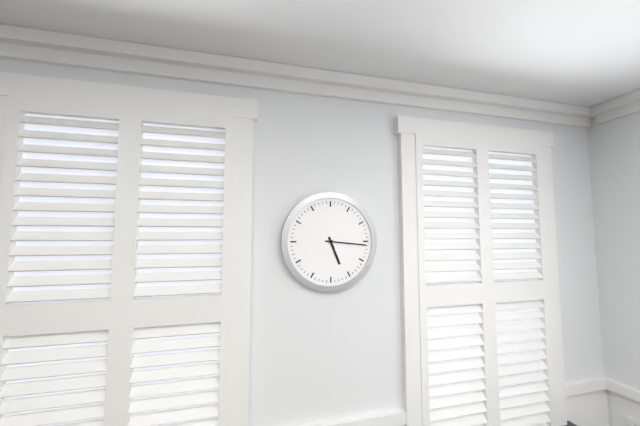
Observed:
{"hour": 5, "minute": 16}
